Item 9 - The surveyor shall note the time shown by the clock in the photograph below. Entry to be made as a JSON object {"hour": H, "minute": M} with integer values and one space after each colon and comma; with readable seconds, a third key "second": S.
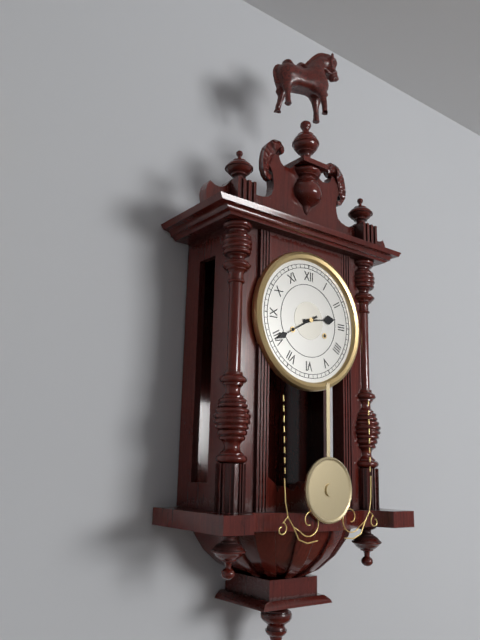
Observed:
{"hour": 2, "minute": 40}
